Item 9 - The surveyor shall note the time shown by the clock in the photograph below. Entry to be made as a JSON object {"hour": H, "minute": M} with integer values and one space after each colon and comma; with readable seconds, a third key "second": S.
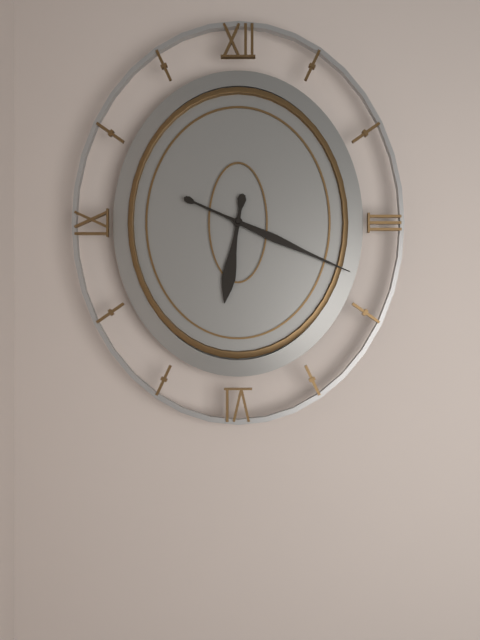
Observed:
{"hour": 6, "minute": 19}
